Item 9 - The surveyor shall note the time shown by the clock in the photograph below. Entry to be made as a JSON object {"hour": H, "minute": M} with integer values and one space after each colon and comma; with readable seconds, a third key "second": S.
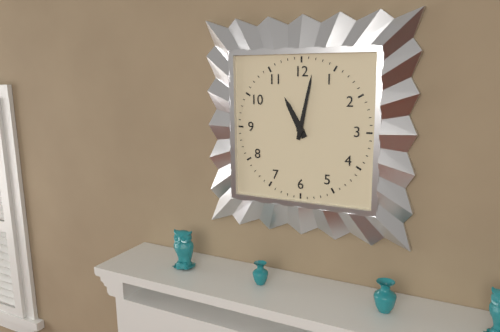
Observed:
{"hour": 11, "minute": 2}
